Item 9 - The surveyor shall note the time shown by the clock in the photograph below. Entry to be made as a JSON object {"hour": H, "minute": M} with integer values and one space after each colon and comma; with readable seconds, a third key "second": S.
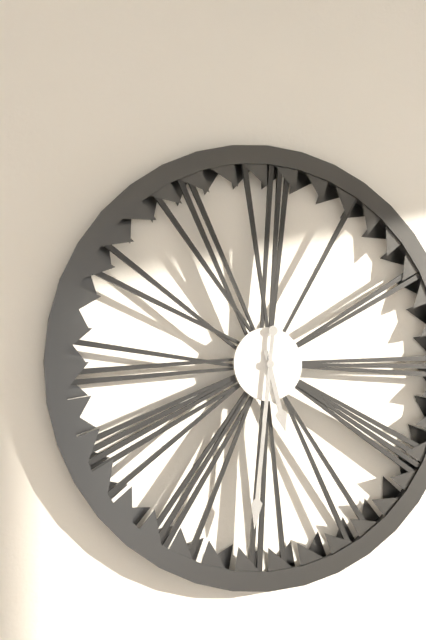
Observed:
{"hour": 5, "minute": 31}
